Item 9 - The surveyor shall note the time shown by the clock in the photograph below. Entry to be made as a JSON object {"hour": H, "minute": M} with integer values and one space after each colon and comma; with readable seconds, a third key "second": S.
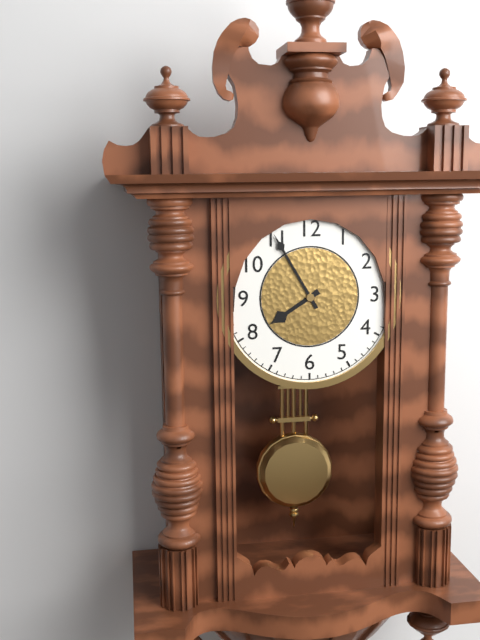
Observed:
{"hour": 7, "minute": 55}
